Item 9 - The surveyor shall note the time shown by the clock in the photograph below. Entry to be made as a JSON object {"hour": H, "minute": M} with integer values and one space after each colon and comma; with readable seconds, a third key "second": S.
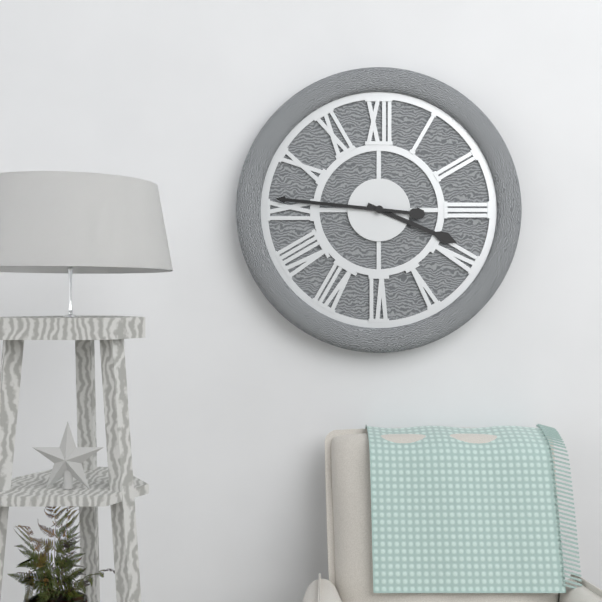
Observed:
{"hour": 3, "minute": 46}
